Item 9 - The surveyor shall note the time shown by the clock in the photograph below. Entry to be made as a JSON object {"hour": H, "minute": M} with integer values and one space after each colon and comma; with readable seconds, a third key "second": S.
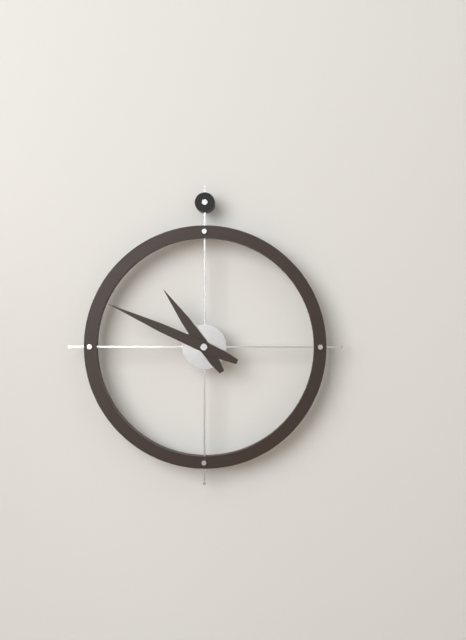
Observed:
{"hour": 10, "minute": 49}
